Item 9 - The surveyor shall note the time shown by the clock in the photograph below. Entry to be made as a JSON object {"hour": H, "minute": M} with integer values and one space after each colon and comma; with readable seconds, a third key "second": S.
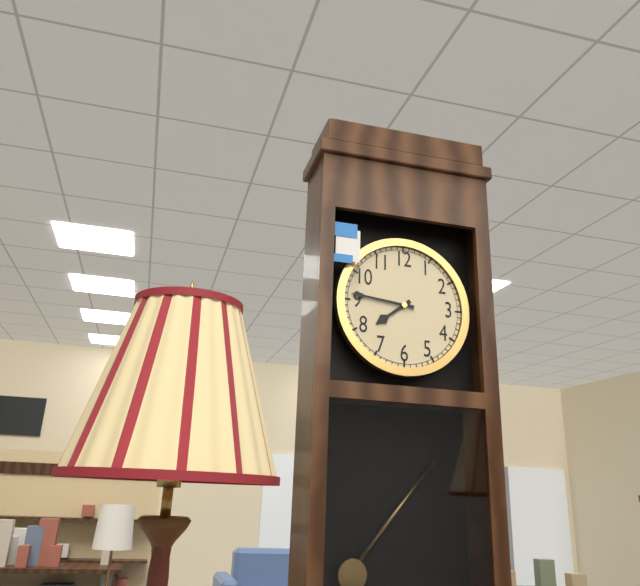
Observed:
{"hour": 7, "minute": 46}
